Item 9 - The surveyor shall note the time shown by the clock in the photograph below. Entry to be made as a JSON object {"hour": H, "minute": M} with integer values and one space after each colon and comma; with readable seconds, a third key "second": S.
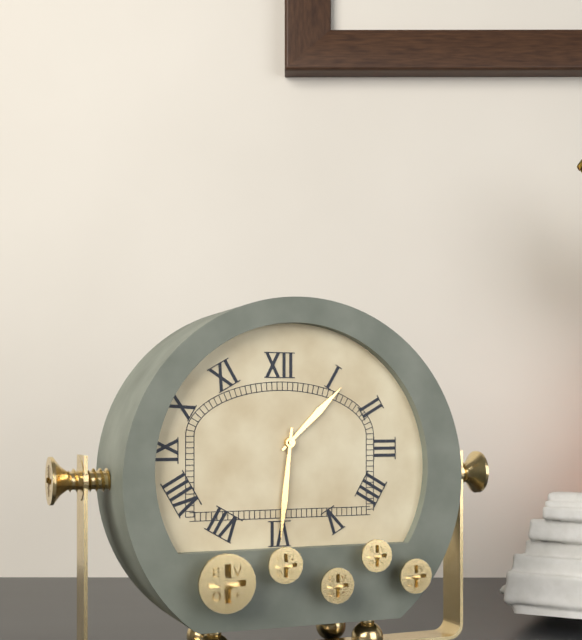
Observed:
{"hour": 1, "minute": 31}
